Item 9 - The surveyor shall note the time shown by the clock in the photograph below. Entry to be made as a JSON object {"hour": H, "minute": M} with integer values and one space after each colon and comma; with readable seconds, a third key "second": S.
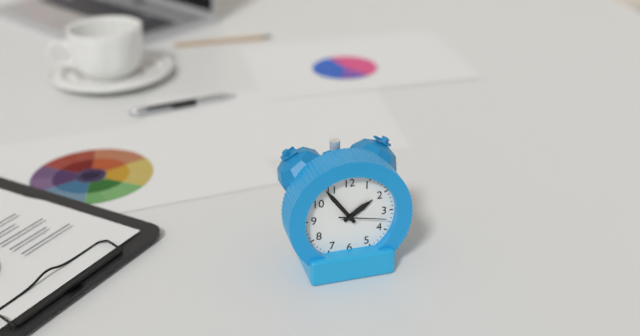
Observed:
{"hour": 1, "minute": 54}
